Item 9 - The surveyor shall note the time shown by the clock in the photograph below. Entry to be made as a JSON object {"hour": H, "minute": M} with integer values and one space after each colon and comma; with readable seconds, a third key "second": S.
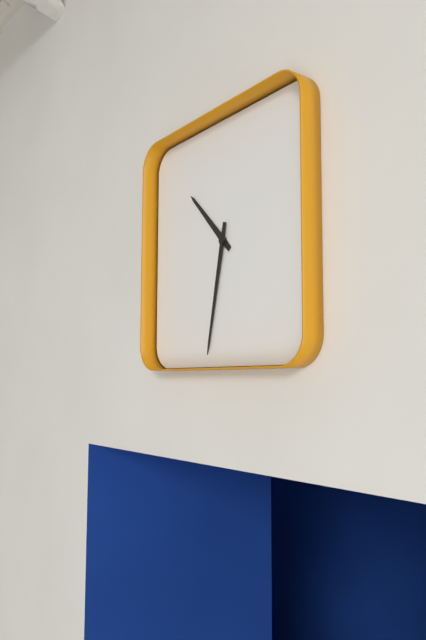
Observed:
{"hour": 10, "minute": 32}
